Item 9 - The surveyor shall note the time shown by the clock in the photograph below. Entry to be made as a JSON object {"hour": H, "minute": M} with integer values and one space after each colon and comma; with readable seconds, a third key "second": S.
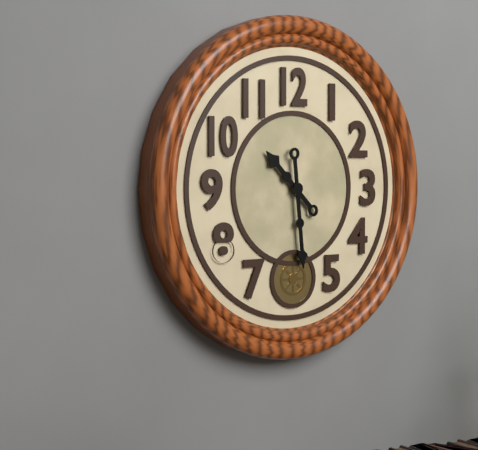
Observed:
{"hour": 10, "minute": 29}
